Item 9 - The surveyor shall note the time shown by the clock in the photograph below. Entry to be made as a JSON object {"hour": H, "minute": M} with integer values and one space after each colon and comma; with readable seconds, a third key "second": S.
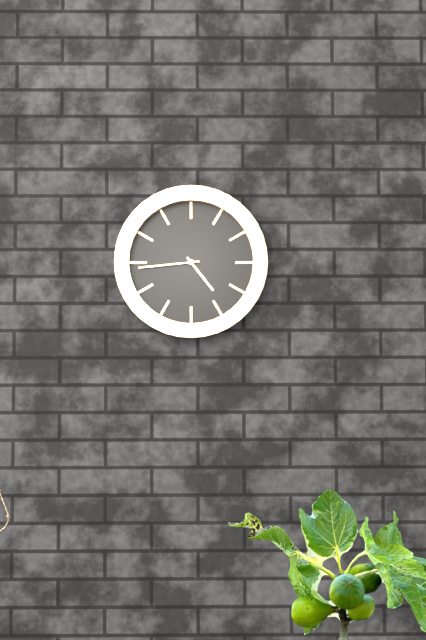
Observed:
{"hour": 4, "minute": 44}
